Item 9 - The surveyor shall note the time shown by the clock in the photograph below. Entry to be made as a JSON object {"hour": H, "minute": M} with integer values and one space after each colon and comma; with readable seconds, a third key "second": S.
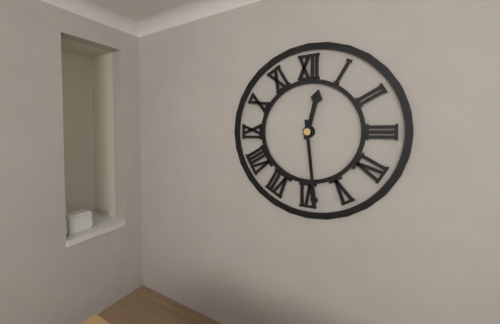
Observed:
{"hour": 12, "minute": 29}
